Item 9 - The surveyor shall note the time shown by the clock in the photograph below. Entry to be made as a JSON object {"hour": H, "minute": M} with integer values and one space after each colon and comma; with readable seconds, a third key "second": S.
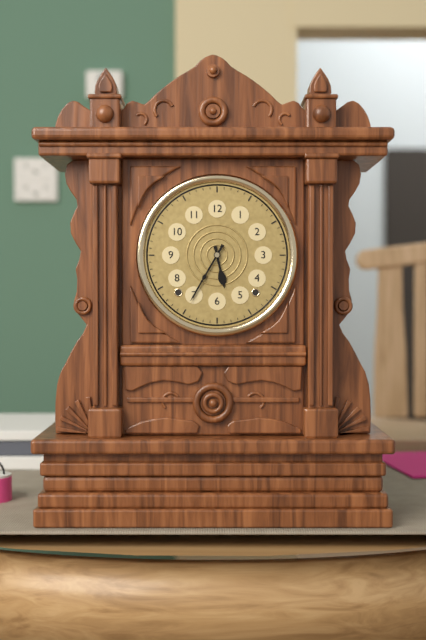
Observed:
{"hour": 5, "minute": 35}
